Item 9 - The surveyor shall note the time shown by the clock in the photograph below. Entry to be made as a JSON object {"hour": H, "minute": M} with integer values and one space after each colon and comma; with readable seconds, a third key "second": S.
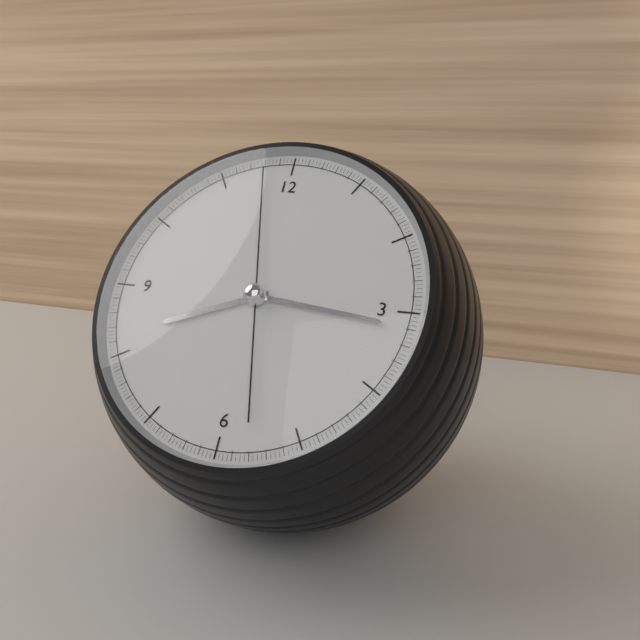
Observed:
{"hour": 8, "minute": 16, "second": 58}
